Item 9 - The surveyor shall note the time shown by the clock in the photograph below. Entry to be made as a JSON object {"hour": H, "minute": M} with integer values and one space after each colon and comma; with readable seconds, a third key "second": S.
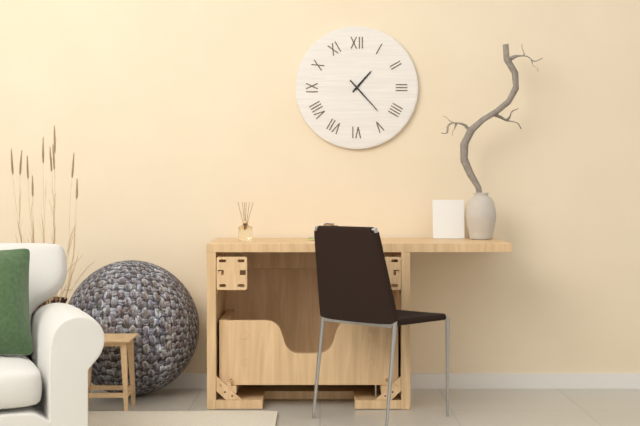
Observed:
{"hour": 1, "minute": 23}
